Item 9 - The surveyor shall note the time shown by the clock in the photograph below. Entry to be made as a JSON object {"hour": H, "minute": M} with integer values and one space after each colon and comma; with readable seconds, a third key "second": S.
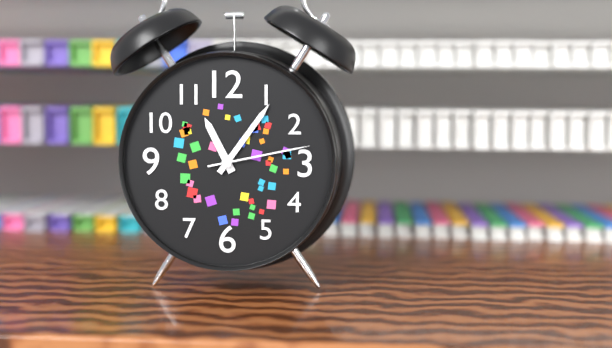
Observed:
{"hour": 11, "minute": 6, "second": 13}
